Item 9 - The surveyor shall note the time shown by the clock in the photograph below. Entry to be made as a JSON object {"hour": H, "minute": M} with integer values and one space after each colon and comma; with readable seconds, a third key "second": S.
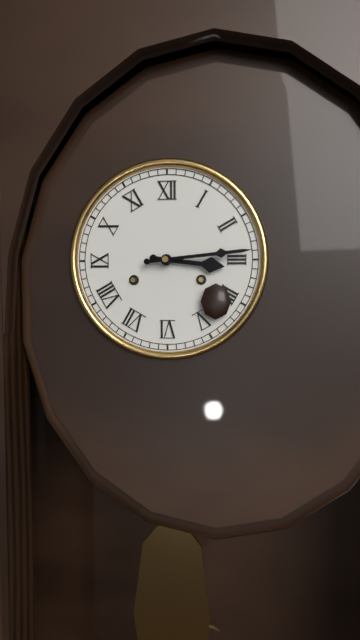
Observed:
{"hour": 3, "minute": 14}
